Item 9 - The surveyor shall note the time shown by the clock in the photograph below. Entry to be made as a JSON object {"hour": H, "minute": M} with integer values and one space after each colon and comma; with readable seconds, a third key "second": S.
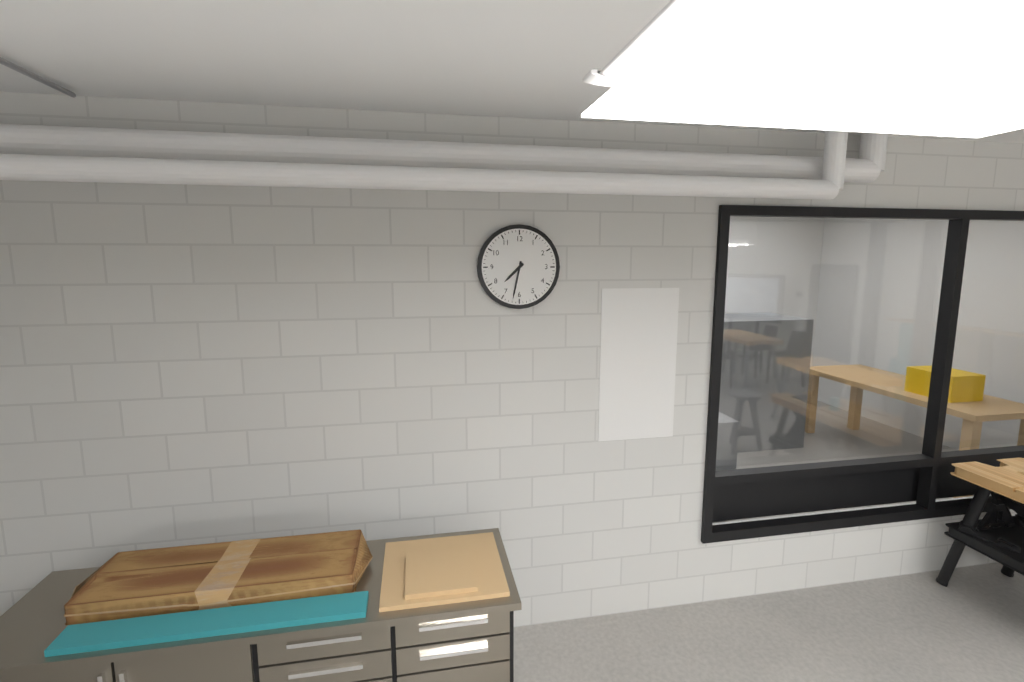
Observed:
{"hour": 7, "minute": 32}
